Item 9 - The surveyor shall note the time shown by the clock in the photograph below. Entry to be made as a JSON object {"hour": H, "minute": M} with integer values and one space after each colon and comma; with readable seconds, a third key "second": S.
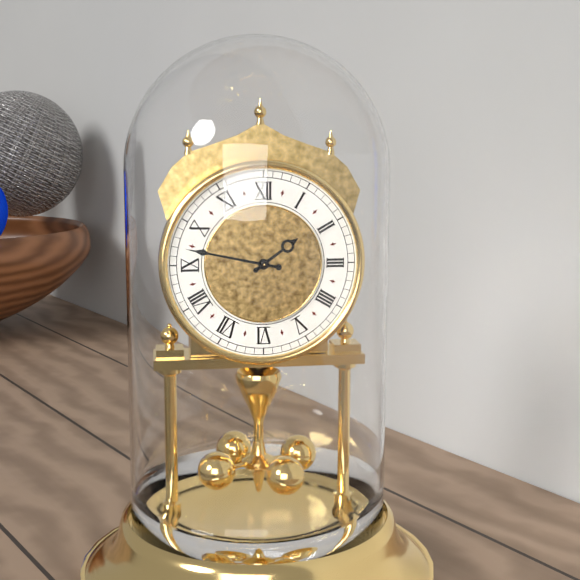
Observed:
{"hour": 1, "minute": 47}
